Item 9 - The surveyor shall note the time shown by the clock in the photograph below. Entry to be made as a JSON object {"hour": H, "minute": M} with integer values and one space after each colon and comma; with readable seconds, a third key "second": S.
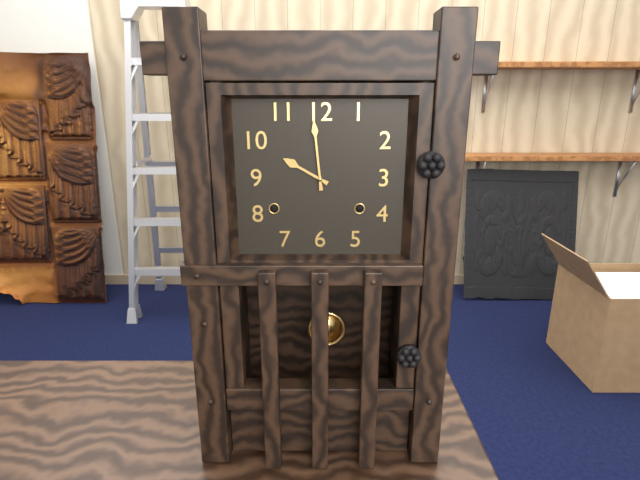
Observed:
{"hour": 9, "minute": 59}
